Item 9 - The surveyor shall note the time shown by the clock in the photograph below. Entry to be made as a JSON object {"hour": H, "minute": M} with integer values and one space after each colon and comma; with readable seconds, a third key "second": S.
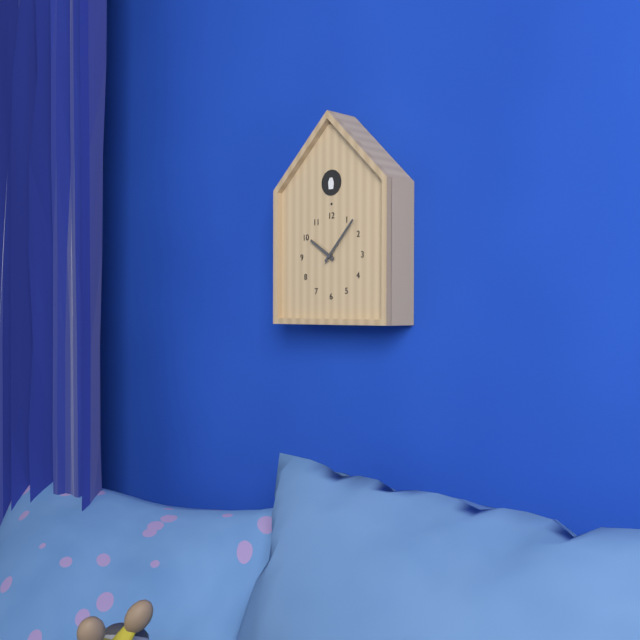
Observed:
{"hour": 10, "minute": 7}
